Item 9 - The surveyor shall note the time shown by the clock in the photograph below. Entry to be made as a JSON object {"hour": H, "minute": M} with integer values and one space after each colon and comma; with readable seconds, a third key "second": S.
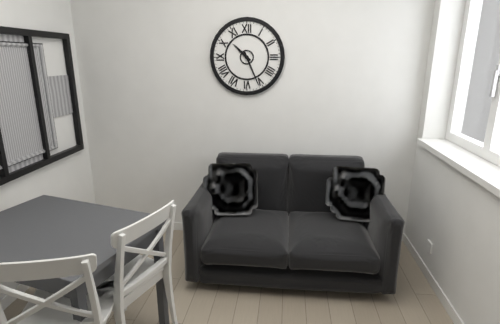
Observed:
{"hour": 10, "minute": 26}
